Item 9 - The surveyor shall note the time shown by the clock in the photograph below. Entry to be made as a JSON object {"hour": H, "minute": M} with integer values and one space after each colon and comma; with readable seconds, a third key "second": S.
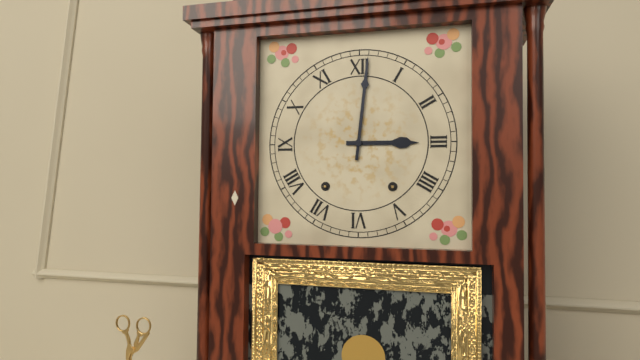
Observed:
{"hour": 3, "minute": 1}
